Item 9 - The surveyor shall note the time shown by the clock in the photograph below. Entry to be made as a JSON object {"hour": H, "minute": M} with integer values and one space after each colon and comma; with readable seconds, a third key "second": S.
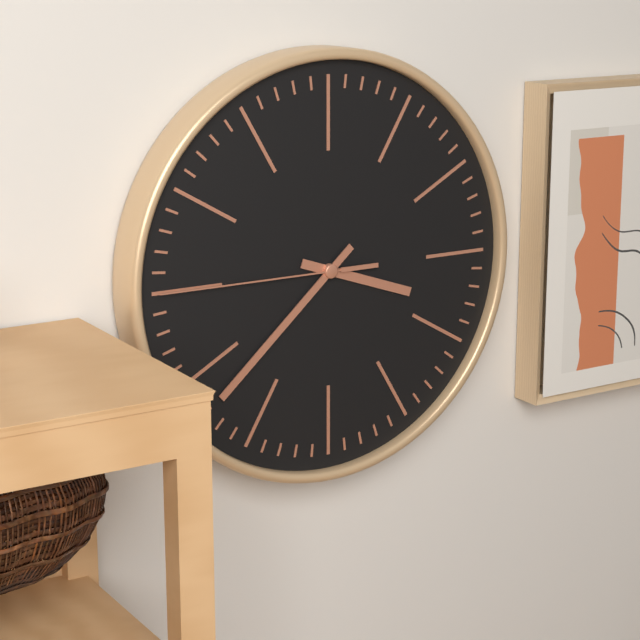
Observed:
{"hour": 3, "minute": 38, "second": 45}
